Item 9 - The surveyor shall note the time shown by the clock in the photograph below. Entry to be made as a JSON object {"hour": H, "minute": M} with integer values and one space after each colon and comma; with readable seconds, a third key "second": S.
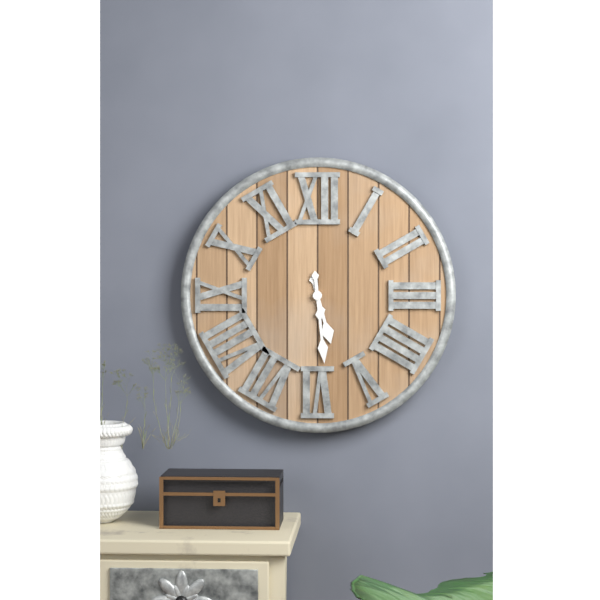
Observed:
{"hour": 5, "minute": 29}
